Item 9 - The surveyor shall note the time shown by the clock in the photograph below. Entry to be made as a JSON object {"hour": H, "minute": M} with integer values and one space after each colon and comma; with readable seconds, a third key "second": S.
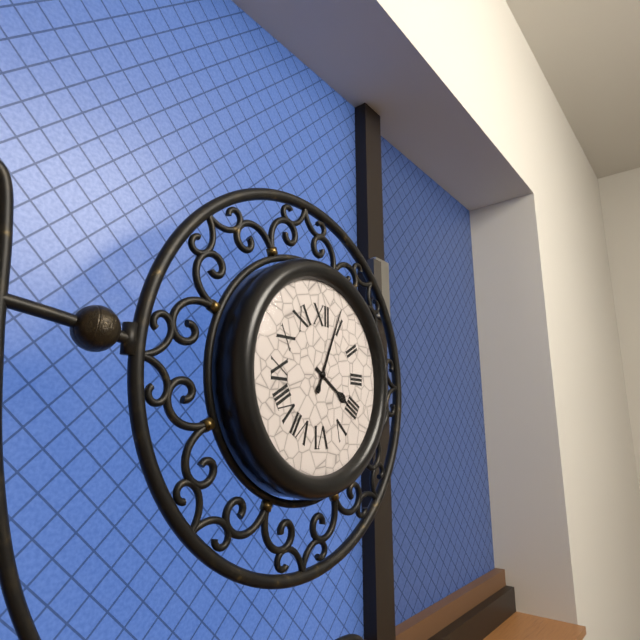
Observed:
{"hour": 4, "minute": 4}
